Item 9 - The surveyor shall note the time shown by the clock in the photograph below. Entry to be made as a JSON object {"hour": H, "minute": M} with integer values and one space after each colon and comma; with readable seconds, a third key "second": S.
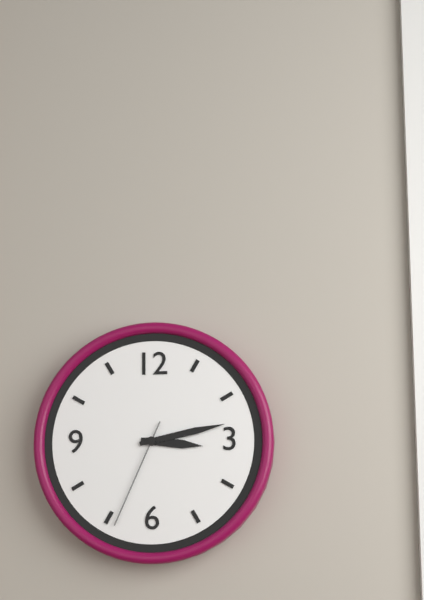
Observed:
{"hour": 3, "minute": 13, "second": 34}
